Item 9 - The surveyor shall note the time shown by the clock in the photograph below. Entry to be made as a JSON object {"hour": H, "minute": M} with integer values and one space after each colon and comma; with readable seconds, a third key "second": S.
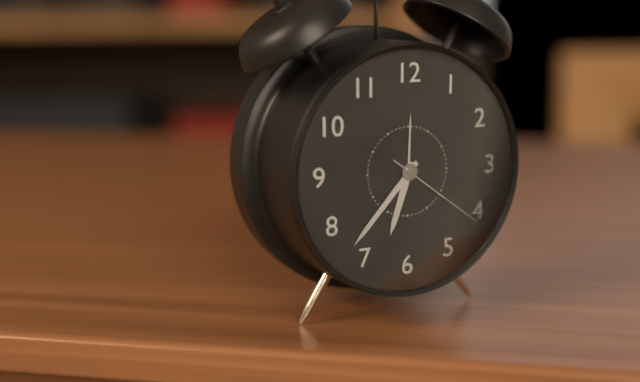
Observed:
{"hour": 6, "minute": 37, "second": 21}
